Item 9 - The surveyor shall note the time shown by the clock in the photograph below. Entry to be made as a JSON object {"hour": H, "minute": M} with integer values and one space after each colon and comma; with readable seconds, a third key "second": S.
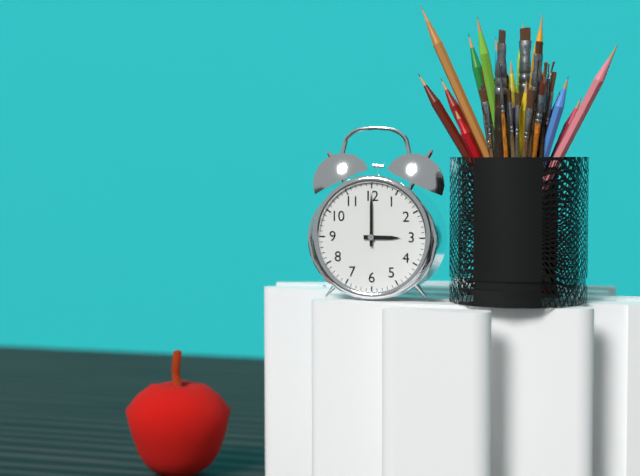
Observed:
{"hour": 3, "minute": 0}
